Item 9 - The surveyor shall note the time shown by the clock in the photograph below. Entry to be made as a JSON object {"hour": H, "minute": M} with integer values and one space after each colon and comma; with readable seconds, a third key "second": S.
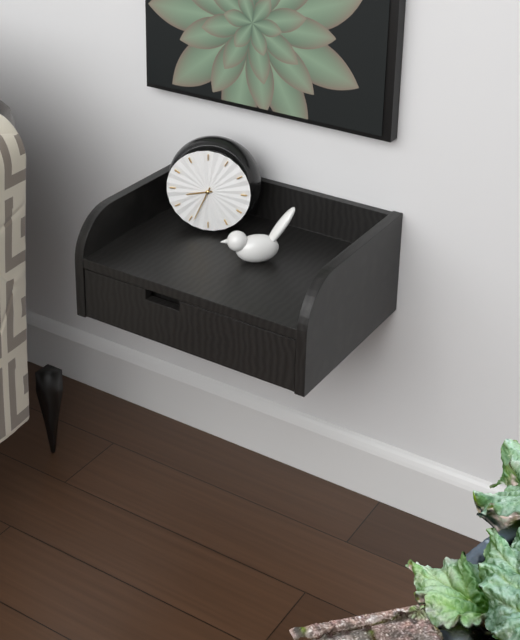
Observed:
{"hour": 8, "minute": 34}
